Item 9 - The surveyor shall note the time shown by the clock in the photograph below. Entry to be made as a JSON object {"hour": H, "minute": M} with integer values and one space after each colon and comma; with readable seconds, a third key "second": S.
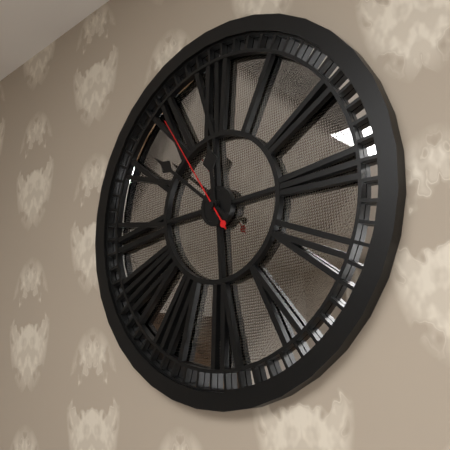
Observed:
{"hour": 11, "minute": 52, "second": 55}
